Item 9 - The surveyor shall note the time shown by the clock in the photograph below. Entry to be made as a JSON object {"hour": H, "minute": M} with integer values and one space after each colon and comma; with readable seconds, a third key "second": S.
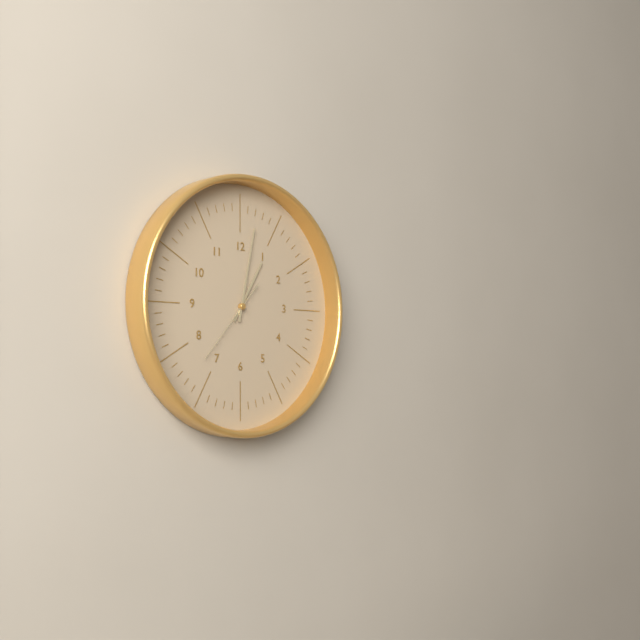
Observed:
{"hour": 1, "minute": 2, "second": 37}
